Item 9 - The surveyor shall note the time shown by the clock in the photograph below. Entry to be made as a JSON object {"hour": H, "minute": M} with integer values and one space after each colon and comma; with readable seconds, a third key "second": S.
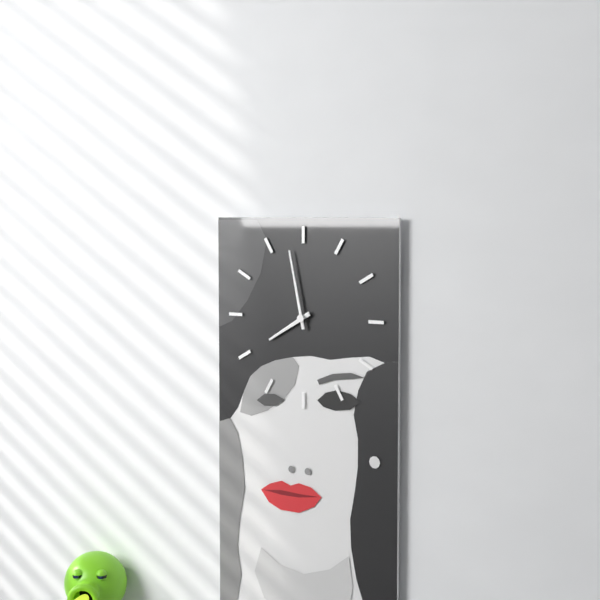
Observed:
{"hour": 7, "minute": 58}
